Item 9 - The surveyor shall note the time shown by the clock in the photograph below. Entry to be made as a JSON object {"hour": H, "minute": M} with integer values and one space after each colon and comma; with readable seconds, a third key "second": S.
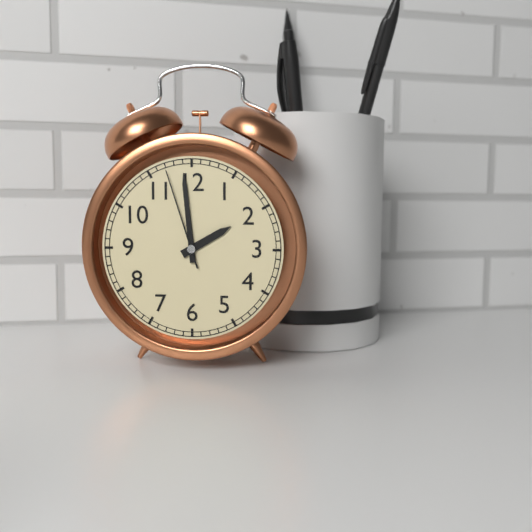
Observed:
{"hour": 1, "minute": 59, "second": 57}
